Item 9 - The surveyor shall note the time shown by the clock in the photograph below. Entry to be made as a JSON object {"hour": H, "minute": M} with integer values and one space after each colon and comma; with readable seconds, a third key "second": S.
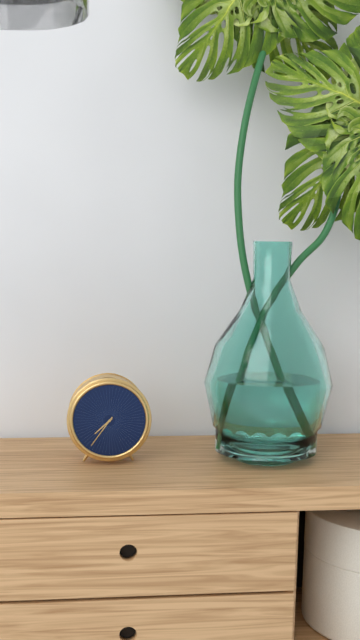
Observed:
{"hour": 7, "minute": 36}
